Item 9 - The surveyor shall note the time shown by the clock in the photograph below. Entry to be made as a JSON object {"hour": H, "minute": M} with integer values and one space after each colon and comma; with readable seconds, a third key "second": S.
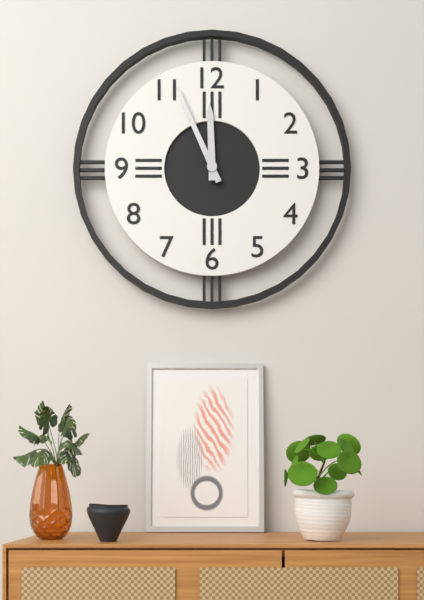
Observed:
{"hour": 11, "minute": 56}
